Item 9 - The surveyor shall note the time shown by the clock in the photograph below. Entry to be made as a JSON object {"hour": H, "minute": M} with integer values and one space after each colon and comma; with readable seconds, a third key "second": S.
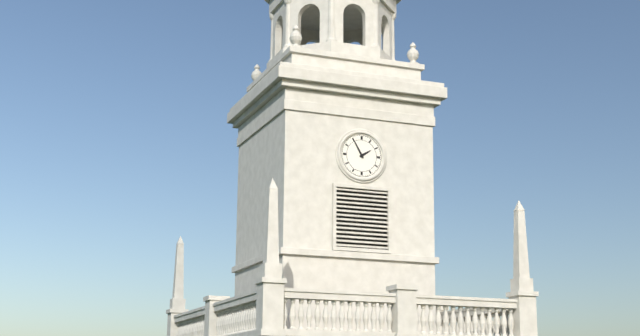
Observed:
{"hour": 1, "minute": 55}
